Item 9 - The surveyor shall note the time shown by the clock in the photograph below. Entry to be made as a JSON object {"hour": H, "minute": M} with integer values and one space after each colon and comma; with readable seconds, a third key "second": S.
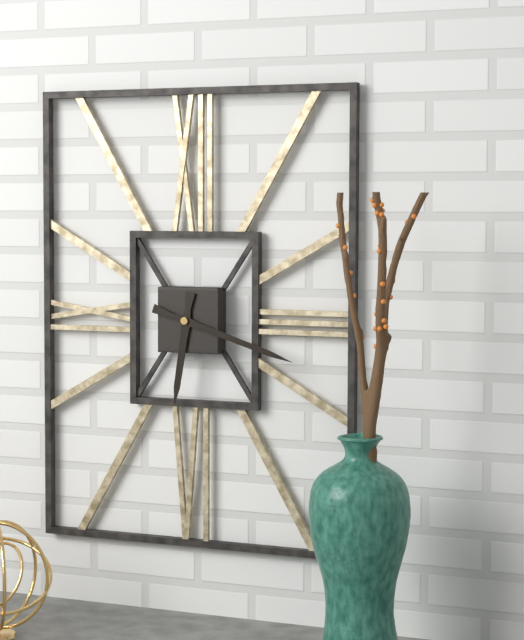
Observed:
{"hour": 6, "minute": 18}
